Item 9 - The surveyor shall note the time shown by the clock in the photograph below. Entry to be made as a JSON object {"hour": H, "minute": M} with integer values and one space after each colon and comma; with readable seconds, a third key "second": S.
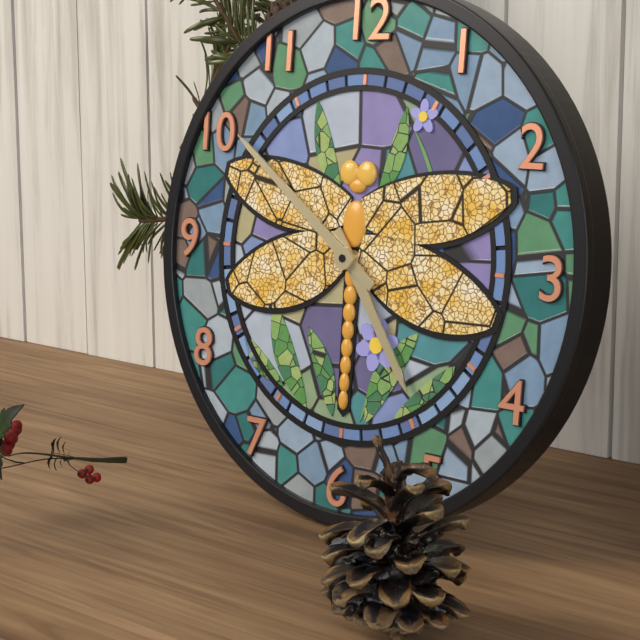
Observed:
{"hour": 4, "minute": 51}
